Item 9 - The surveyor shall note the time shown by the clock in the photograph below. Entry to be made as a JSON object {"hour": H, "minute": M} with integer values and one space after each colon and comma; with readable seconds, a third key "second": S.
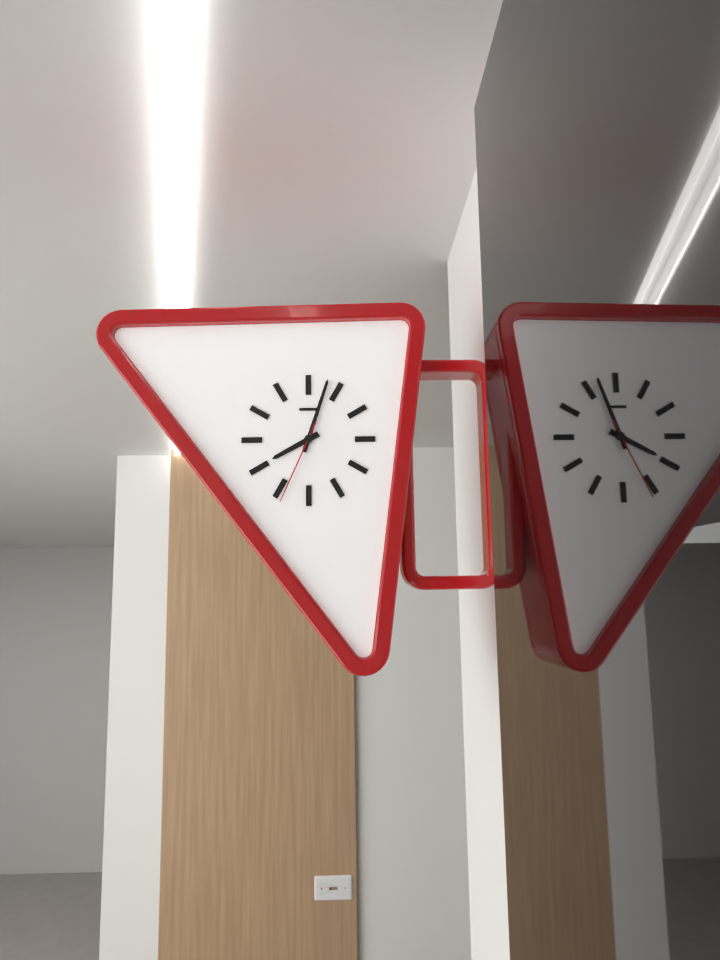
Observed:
{"hour": 8, "minute": 3, "second": 34}
